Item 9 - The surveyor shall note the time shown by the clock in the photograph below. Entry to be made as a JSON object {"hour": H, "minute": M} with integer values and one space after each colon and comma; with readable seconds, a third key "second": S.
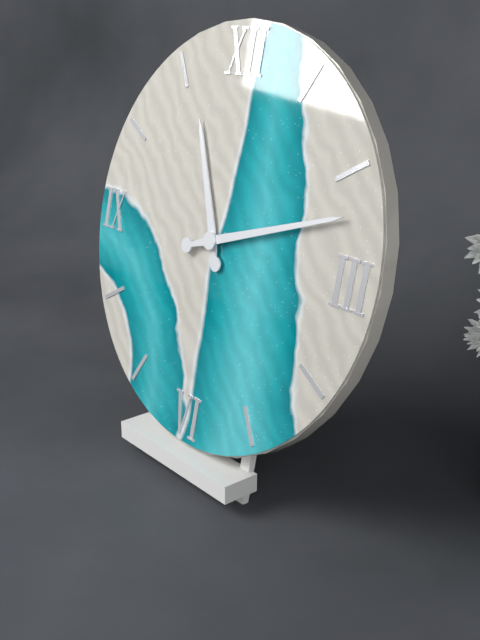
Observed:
{"hour": 11, "minute": 12}
